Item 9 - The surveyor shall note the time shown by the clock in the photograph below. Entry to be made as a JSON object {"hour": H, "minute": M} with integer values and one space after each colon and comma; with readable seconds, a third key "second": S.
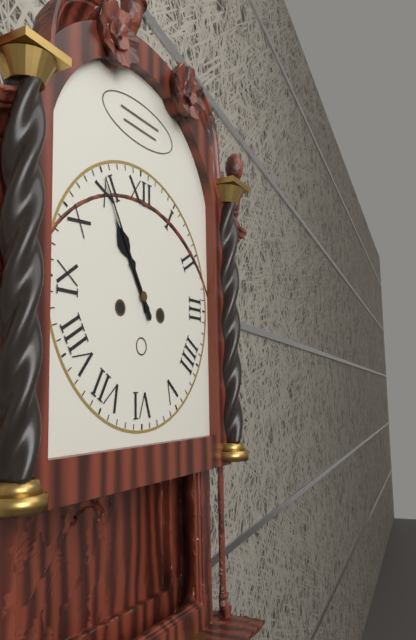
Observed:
{"hour": 10, "minute": 55}
